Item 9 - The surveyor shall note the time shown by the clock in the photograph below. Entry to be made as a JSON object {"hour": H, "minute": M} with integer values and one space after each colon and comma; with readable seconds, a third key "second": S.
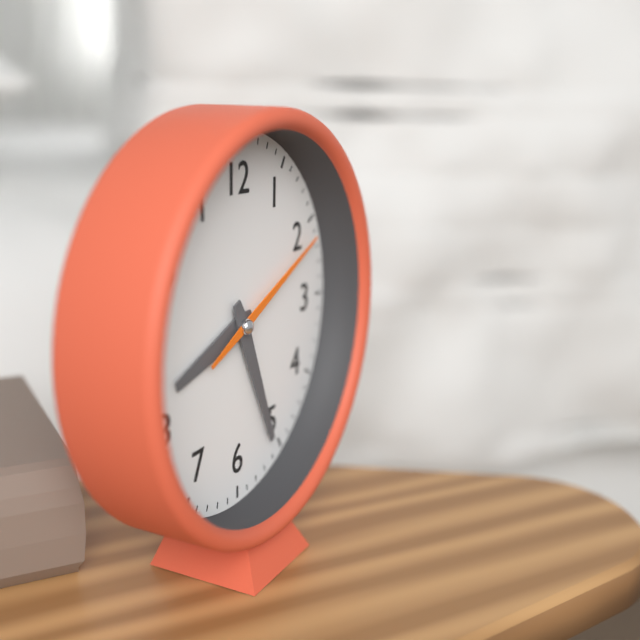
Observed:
{"hour": 8, "minute": 26, "second": 11}
